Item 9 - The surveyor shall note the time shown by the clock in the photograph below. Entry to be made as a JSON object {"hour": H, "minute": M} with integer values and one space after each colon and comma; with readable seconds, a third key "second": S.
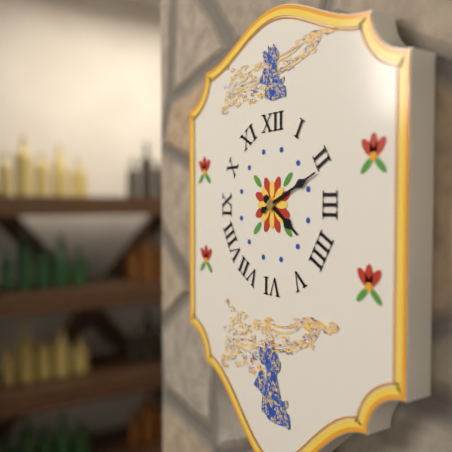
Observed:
{"hour": 4, "minute": 11}
